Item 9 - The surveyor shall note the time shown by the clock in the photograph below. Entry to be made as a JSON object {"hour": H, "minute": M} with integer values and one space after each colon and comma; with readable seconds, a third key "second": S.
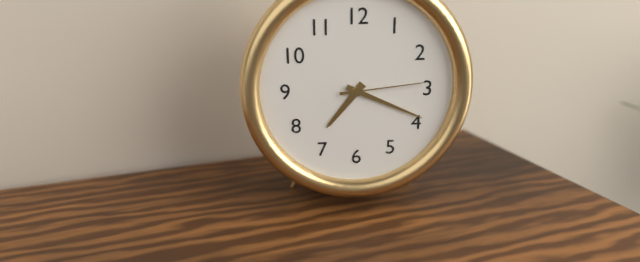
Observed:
{"hour": 7, "minute": 19, "second": 14}
